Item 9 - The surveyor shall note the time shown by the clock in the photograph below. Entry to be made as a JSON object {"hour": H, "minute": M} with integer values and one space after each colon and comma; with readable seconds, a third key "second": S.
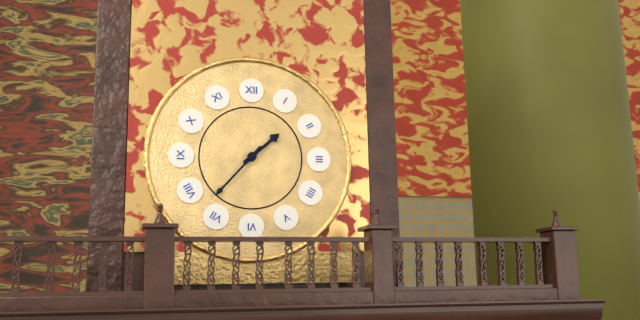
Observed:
{"hour": 1, "minute": 37}
